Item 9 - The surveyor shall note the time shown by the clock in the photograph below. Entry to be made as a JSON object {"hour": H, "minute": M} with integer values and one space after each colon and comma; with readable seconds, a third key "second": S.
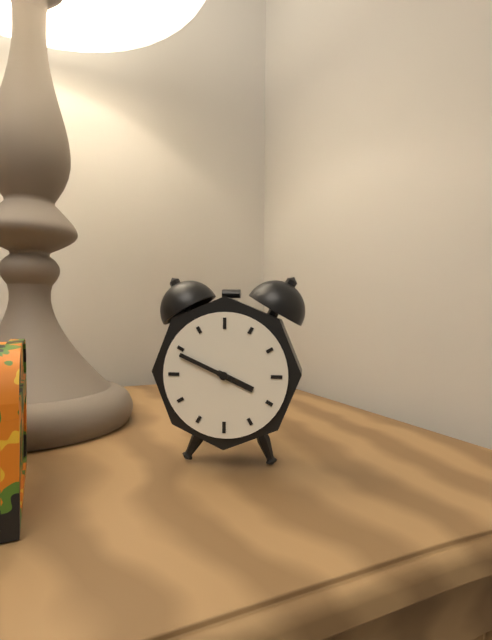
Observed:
{"hour": 3, "minute": 49}
